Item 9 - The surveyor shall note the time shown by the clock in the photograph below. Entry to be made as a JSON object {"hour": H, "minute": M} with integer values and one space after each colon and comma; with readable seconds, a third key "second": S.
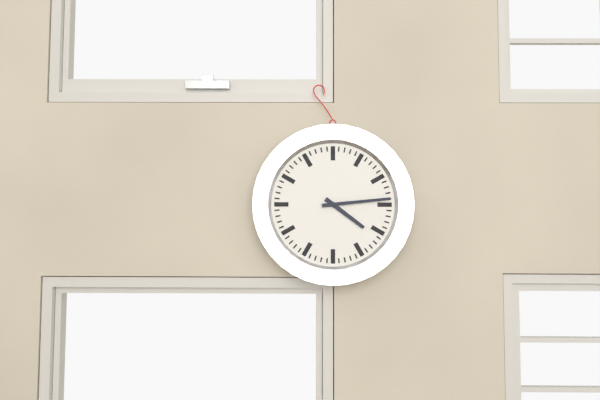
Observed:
{"hour": 4, "minute": 14}
